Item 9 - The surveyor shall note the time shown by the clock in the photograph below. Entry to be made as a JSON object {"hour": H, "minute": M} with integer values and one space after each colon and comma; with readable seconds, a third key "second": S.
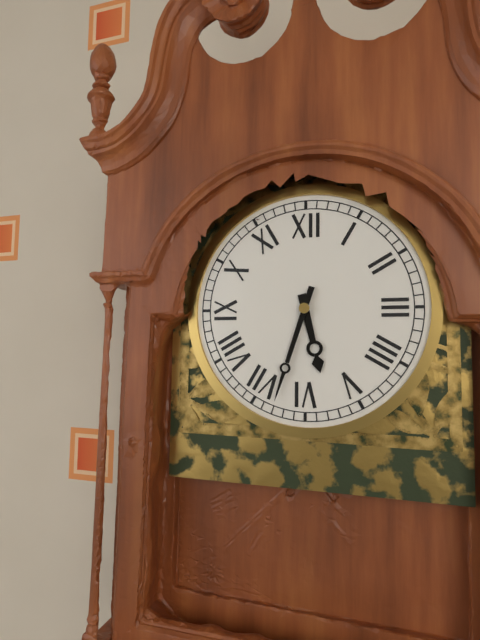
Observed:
{"hour": 5, "minute": 33}
